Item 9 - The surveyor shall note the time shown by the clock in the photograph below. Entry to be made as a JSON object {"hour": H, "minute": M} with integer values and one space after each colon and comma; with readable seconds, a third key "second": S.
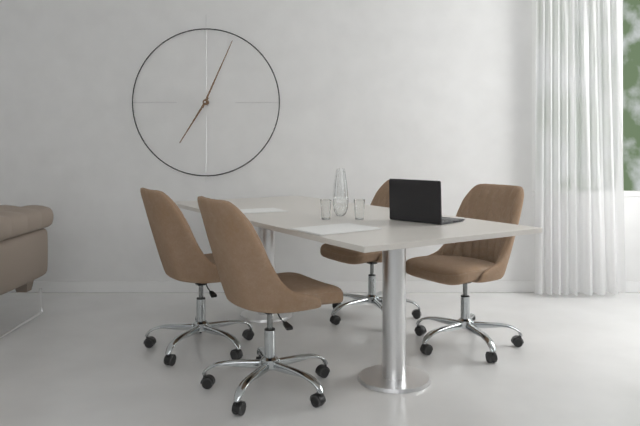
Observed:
{"hour": 7, "minute": 4}
